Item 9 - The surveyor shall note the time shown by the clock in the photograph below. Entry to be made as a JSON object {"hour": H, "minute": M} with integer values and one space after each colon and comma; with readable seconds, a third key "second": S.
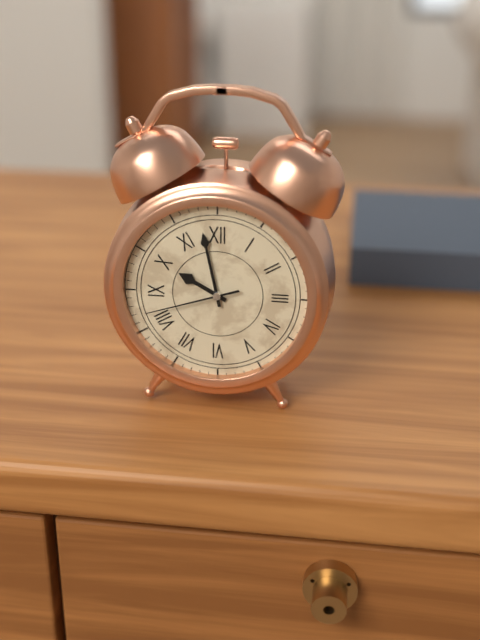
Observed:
{"hour": 9, "minute": 58, "second": 42}
